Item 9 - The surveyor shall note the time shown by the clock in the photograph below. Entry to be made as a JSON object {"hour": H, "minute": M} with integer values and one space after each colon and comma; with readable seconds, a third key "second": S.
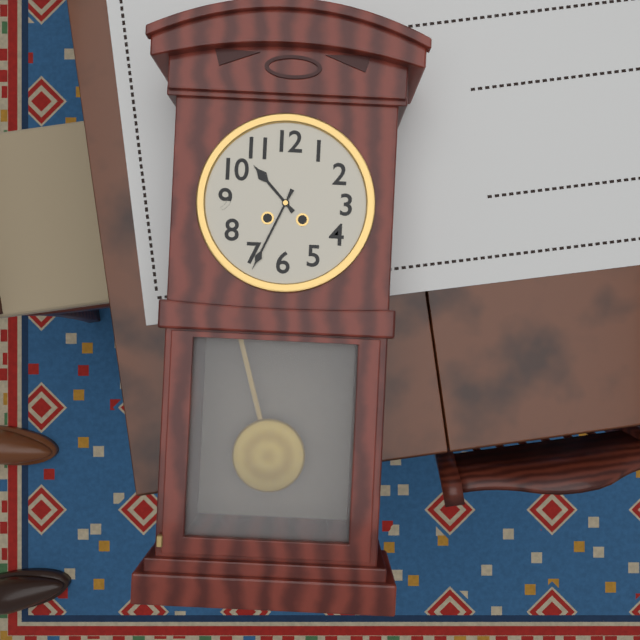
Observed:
{"hour": 10, "minute": 34}
